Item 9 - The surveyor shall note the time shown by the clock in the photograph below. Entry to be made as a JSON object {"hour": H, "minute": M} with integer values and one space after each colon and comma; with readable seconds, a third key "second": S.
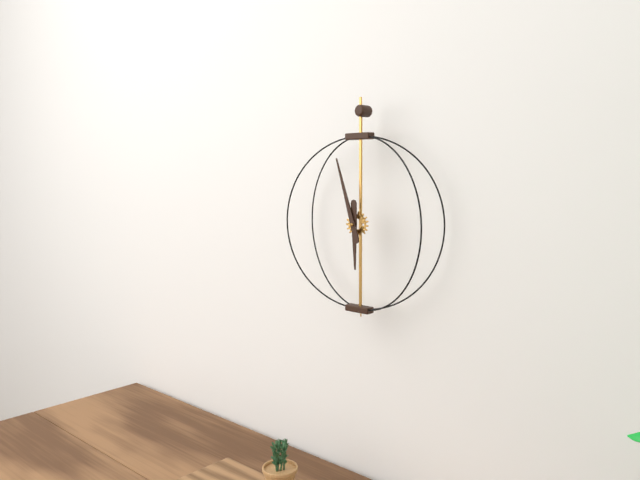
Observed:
{"hour": 5, "minute": 57}
